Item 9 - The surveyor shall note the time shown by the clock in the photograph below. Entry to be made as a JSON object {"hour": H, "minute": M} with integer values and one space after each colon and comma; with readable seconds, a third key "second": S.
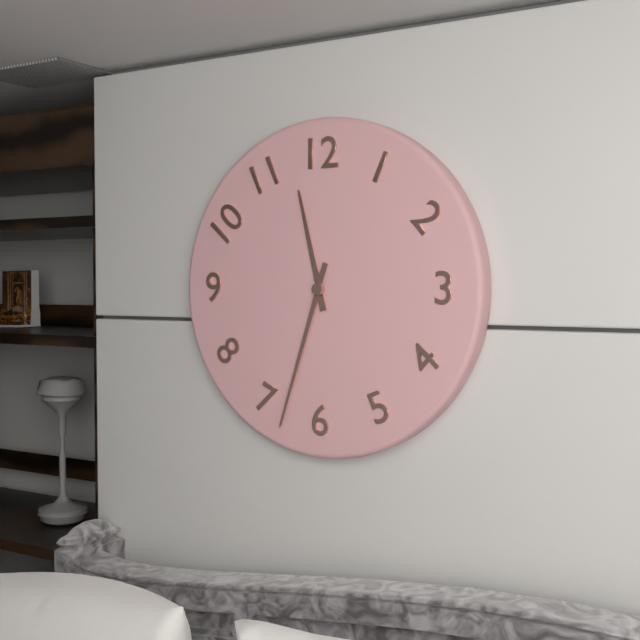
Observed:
{"hour": 11, "minute": 33}
